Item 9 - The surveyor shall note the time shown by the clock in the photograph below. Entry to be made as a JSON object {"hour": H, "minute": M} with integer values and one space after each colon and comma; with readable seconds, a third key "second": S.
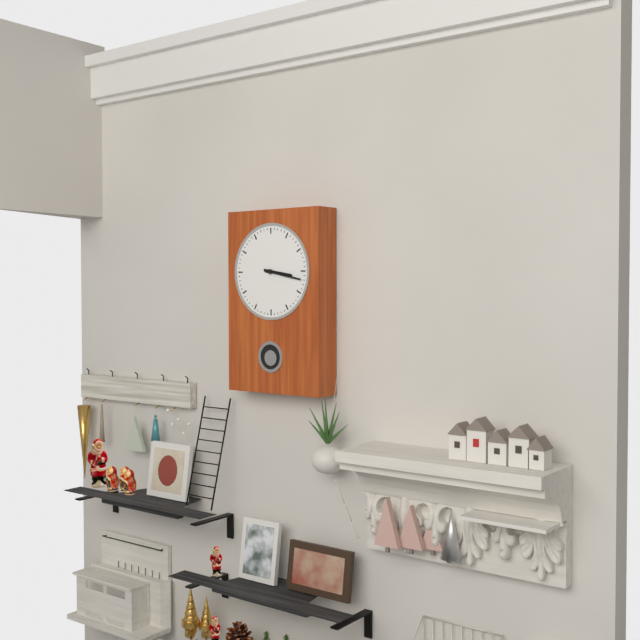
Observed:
{"hour": 3, "minute": 17}
